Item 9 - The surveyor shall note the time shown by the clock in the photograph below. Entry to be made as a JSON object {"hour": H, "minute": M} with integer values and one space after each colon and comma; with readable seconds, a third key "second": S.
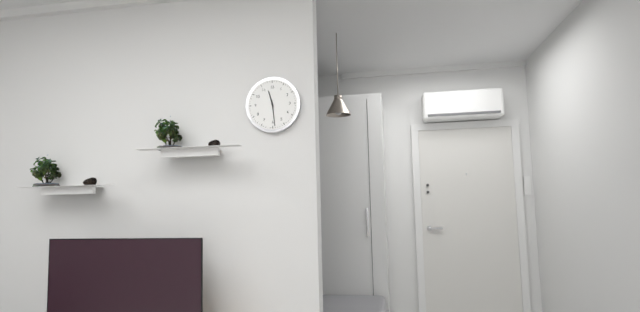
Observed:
{"hour": 11, "minute": 29}
